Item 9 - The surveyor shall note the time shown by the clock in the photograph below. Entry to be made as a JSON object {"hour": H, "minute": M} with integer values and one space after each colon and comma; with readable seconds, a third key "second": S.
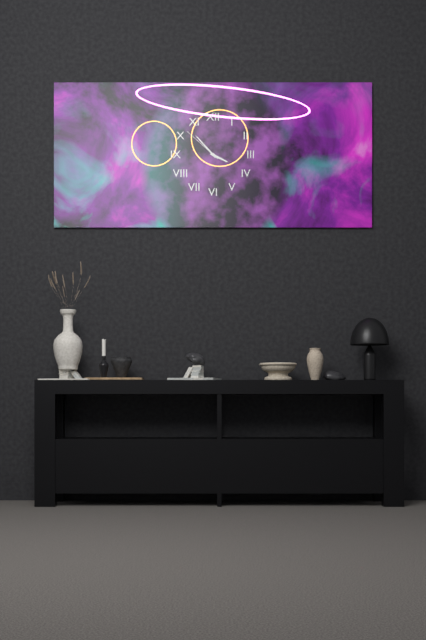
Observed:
{"hour": 3, "minute": 53}
